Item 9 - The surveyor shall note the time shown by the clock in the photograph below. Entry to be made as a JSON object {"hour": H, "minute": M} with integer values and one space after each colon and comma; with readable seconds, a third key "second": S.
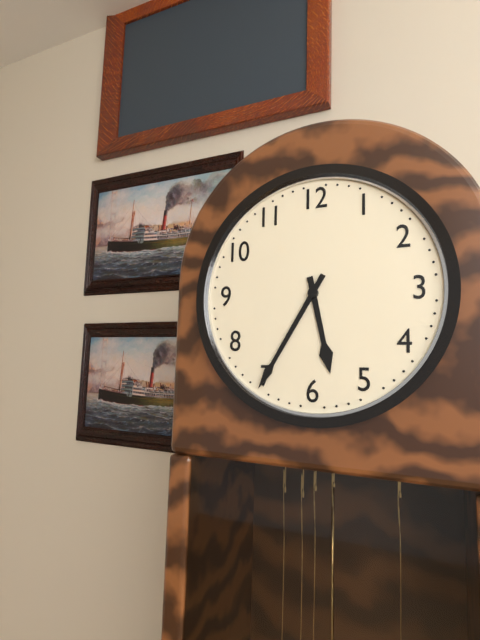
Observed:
{"hour": 5, "minute": 35}
